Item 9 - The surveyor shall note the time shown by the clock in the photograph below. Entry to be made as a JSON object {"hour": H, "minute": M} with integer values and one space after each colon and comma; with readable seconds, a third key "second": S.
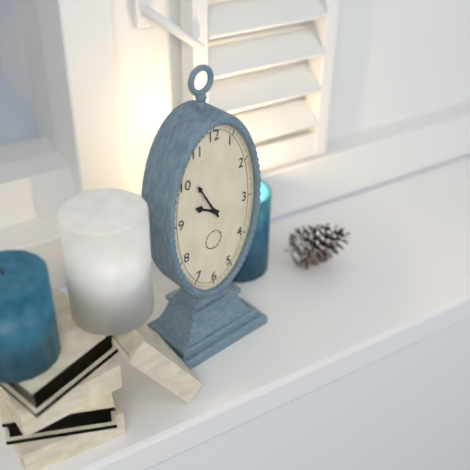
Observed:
{"hour": 9, "minute": 55}
